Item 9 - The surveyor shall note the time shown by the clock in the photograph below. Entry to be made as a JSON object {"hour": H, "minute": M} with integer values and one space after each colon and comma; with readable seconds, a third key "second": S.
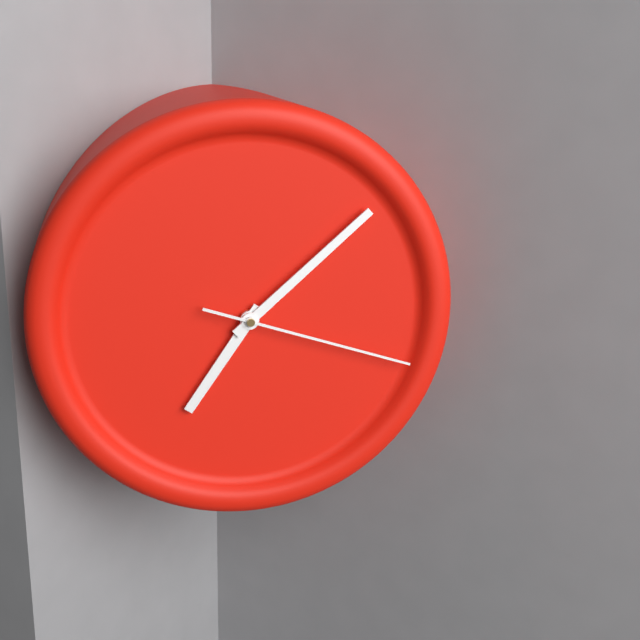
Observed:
{"hour": 7, "minute": 8, "second": 18}
